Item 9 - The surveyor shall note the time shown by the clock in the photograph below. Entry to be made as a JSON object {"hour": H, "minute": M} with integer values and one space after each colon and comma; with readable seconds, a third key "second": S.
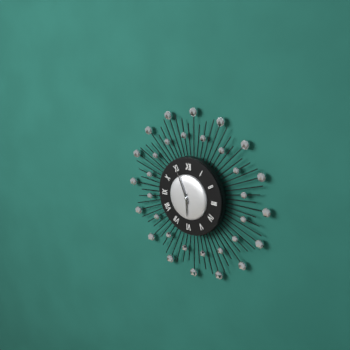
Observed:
{"hour": 5, "minute": 56}
